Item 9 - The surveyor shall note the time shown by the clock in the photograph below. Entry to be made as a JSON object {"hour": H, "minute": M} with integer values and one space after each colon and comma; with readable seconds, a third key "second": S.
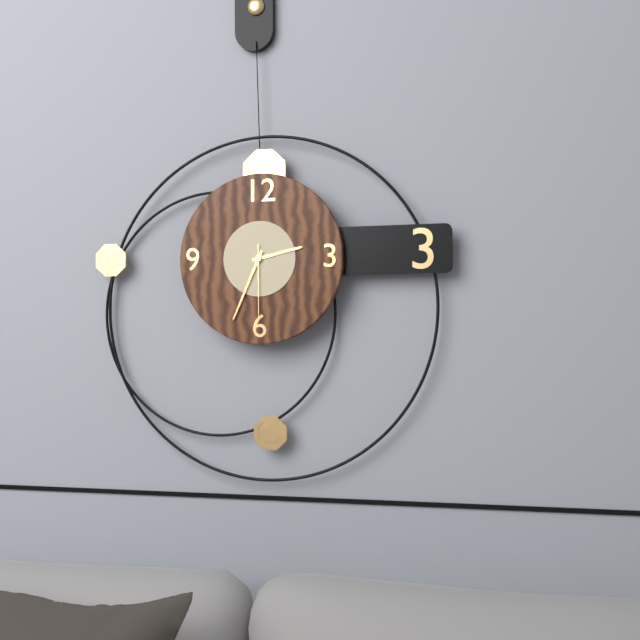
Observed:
{"hour": 2, "minute": 34, "second": 30}
